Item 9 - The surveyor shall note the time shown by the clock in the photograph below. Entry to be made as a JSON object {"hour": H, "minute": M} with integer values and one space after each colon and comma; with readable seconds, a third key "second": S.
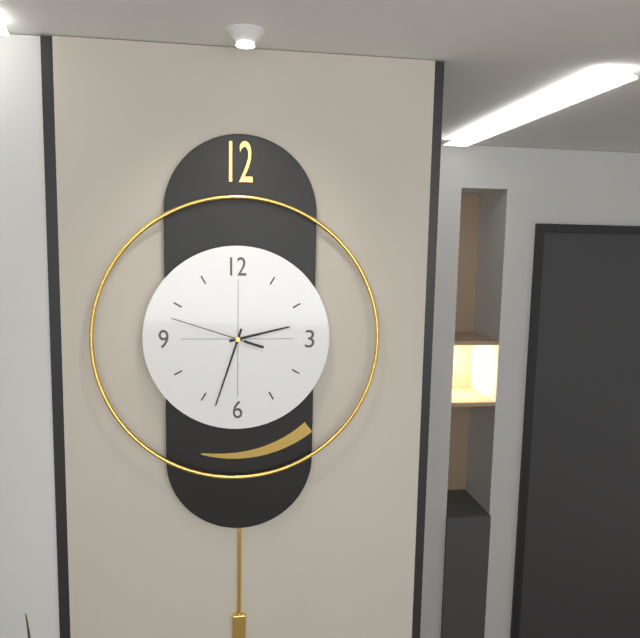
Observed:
{"hour": 2, "minute": 33, "second": 48}
